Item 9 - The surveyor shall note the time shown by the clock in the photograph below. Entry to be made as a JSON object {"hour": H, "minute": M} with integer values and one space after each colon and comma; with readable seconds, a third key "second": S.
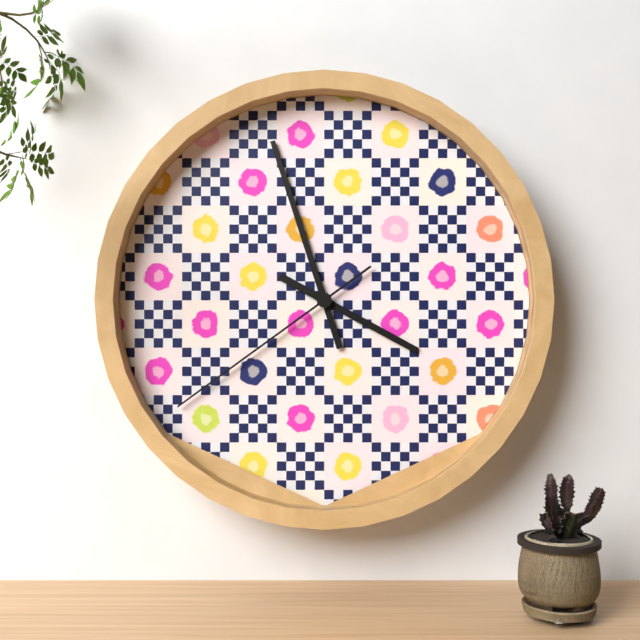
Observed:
{"hour": 3, "minute": 57, "second": 39}
